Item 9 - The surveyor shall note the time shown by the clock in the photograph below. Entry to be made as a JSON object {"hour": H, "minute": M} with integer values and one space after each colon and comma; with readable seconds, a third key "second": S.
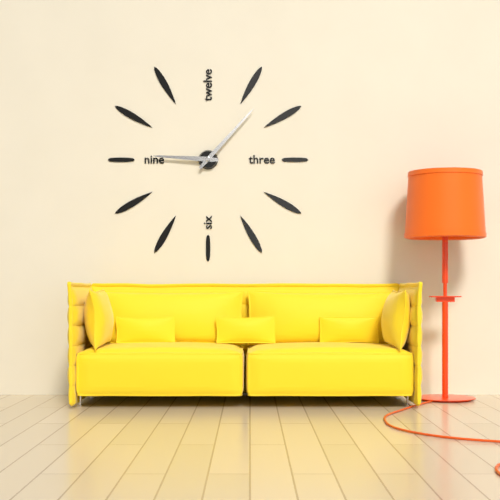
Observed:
{"hour": 9, "minute": 7}
